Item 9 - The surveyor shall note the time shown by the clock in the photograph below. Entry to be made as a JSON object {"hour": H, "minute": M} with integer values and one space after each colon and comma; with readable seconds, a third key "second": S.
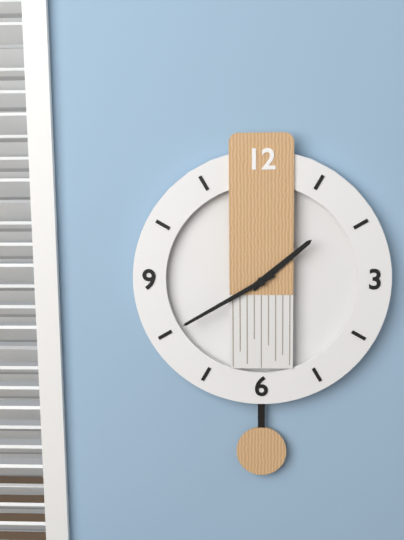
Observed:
{"hour": 1, "minute": 40}
